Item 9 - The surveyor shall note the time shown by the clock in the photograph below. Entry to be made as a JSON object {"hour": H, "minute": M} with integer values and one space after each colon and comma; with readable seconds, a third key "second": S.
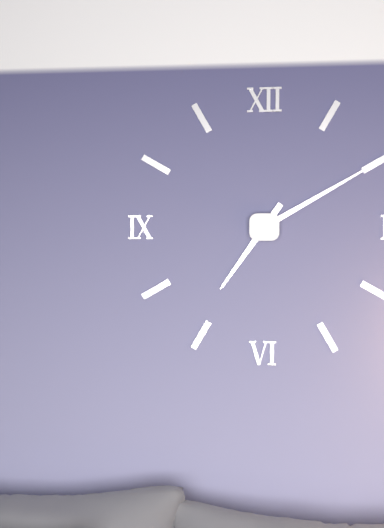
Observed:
{"hour": 7, "minute": 10}
